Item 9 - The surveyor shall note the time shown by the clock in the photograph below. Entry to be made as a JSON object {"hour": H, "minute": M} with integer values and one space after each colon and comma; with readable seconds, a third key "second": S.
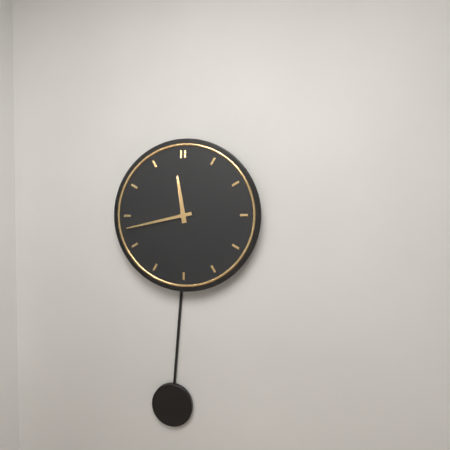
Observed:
{"hour": 11, "minute": 43}
